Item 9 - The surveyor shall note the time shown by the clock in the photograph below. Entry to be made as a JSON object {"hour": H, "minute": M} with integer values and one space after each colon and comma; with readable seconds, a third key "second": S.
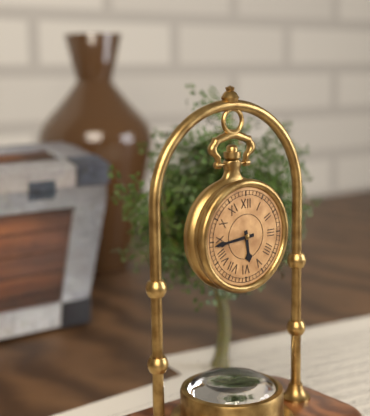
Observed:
{"hour": 5, "minute": 44}
